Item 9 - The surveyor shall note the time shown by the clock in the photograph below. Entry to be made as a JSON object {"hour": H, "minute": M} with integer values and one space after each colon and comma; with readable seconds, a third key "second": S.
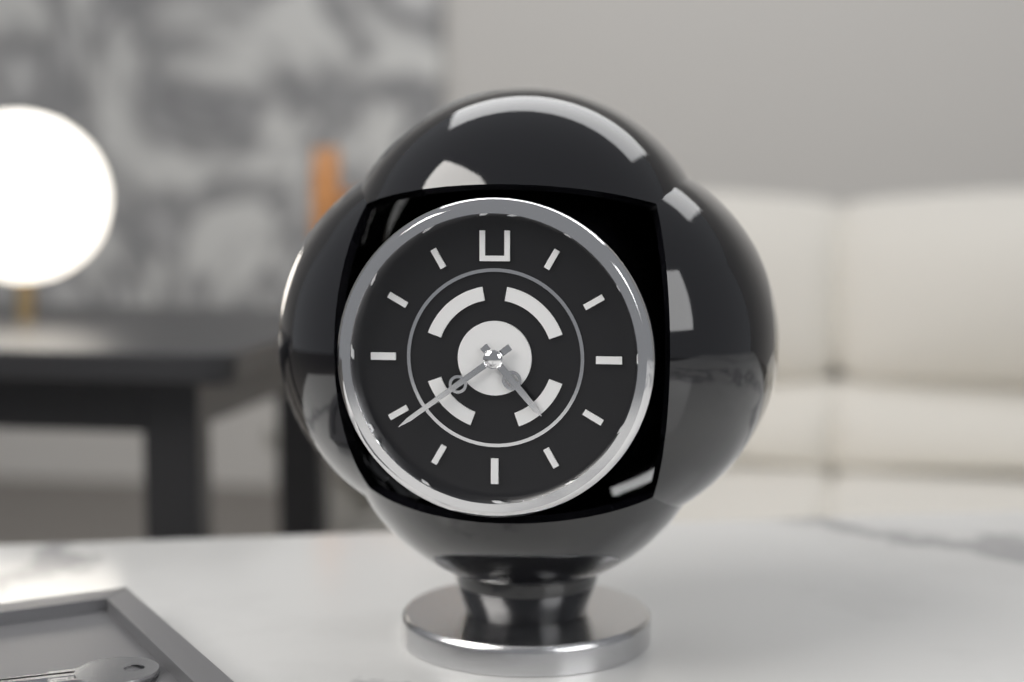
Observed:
{"hour": 4, "minute": 39}
